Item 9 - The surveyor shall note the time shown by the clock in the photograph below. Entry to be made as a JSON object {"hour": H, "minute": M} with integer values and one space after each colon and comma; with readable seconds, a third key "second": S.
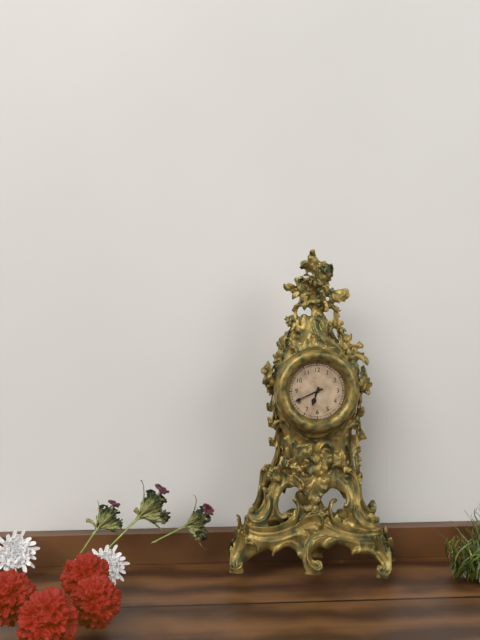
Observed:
{"hour": 6, "minute": 41}
